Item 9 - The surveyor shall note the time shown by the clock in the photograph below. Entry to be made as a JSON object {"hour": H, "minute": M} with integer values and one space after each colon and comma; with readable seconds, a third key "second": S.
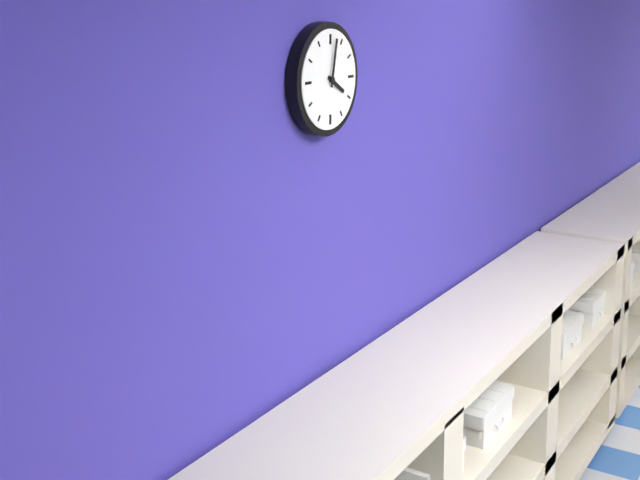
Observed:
{"hour": 4, "minute": 2}
